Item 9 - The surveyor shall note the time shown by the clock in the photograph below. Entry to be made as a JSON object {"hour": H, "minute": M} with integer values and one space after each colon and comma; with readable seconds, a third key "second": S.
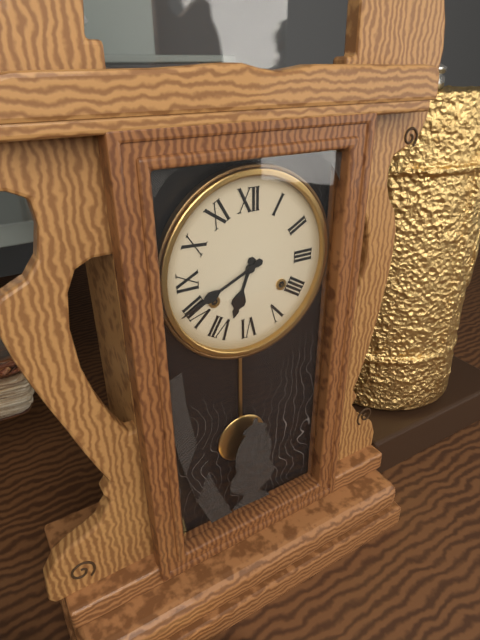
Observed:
{"hour": 6, "minute": 41}
